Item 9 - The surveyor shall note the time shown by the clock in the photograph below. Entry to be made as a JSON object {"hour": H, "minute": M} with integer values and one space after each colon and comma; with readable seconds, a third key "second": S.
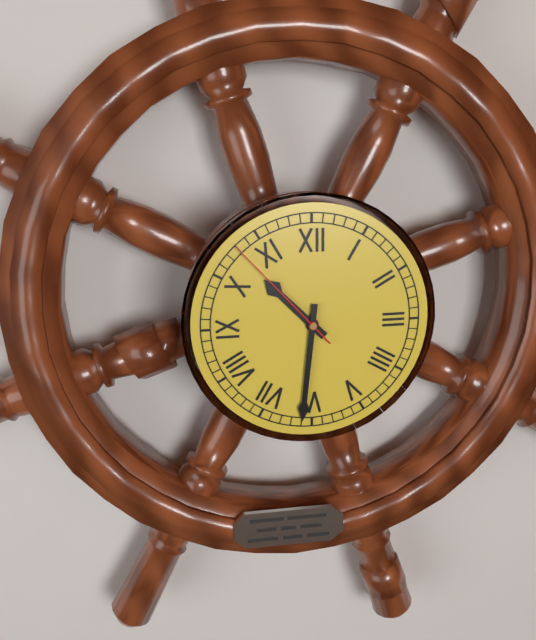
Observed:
{"hour": 10, "minute": 31, "second": 53}
